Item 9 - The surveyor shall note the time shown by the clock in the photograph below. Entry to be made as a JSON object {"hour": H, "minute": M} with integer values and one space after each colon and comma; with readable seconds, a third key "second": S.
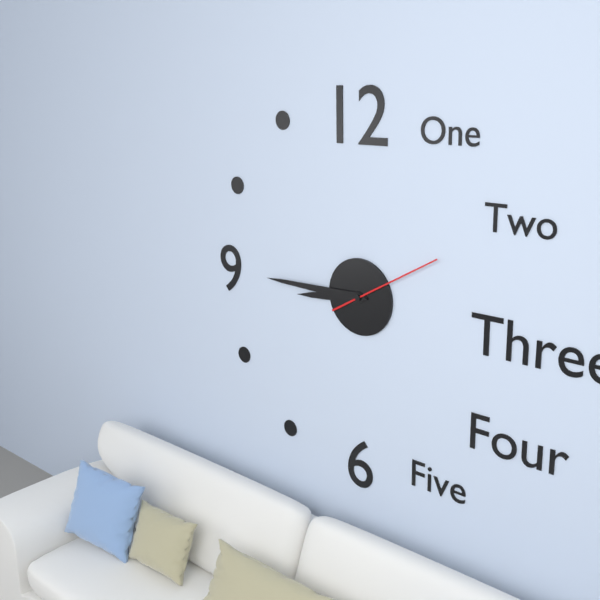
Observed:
{"hour": 8, "minute": 45, "second": 10}
